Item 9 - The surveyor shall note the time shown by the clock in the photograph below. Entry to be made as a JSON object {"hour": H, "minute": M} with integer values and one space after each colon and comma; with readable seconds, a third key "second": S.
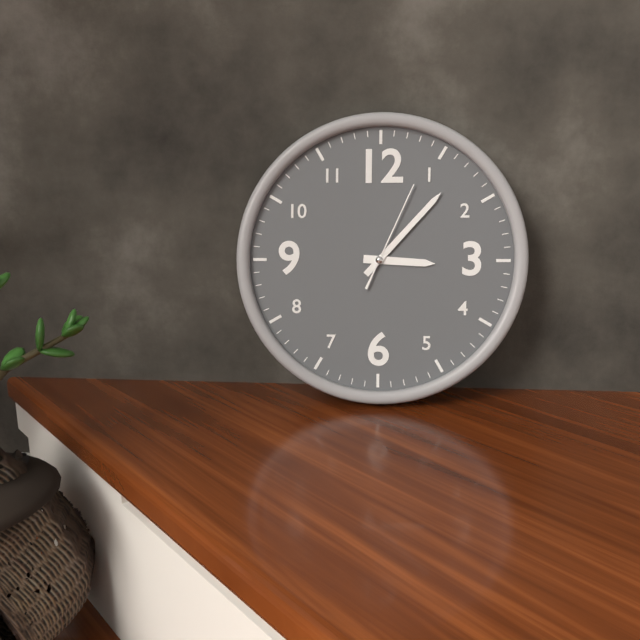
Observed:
{"hour": 3, "minute": 7, "second": 4}
